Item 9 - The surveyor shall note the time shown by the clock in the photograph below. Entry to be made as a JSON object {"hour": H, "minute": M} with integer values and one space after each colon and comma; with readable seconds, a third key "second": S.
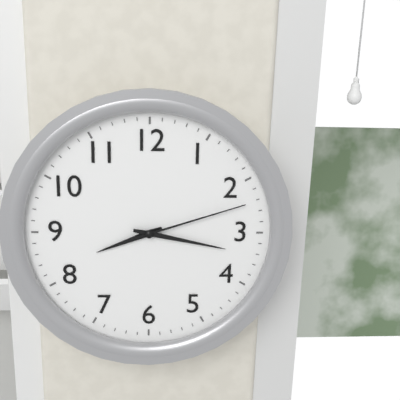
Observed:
{"hour": 8, "minute": 17, "second": 12}
